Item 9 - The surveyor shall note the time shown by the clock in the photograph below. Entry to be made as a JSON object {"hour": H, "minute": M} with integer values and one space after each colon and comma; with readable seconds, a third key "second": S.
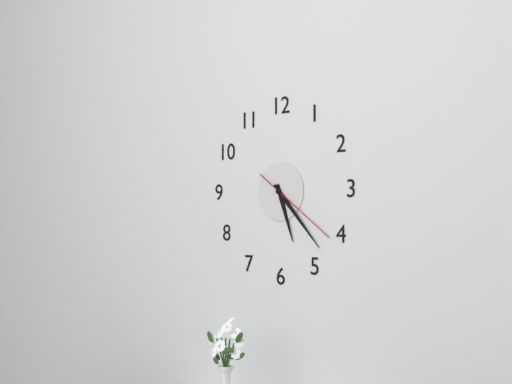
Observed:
{"hour": 5, "minute": 23, "second": 21}
